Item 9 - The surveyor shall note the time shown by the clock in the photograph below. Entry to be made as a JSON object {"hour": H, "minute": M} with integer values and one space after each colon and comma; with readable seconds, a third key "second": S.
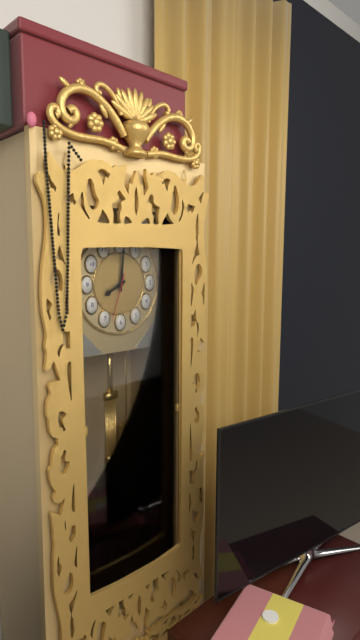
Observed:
{"hour": 8, "minute": 1}
